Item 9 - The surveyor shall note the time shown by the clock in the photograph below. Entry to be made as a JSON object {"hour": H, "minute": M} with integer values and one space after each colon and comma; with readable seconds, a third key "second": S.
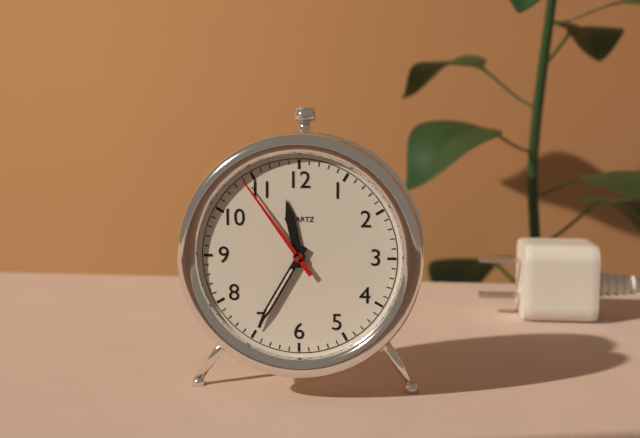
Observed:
{"hour": 11, "minute": 35, "second": 54}
